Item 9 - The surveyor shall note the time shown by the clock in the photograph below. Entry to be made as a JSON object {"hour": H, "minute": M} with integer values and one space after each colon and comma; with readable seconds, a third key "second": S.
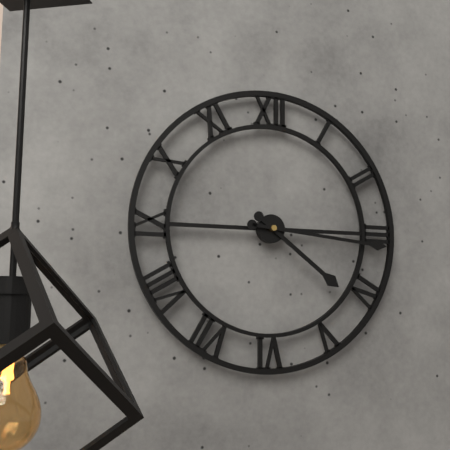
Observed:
{"hour": 4, "minute": 16}
